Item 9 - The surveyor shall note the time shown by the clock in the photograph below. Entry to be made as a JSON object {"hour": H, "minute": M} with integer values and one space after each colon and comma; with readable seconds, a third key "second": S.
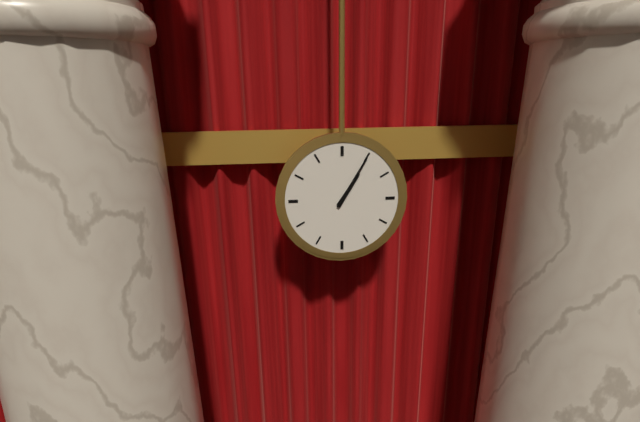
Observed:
{"hour": 1, "minute": 5}
